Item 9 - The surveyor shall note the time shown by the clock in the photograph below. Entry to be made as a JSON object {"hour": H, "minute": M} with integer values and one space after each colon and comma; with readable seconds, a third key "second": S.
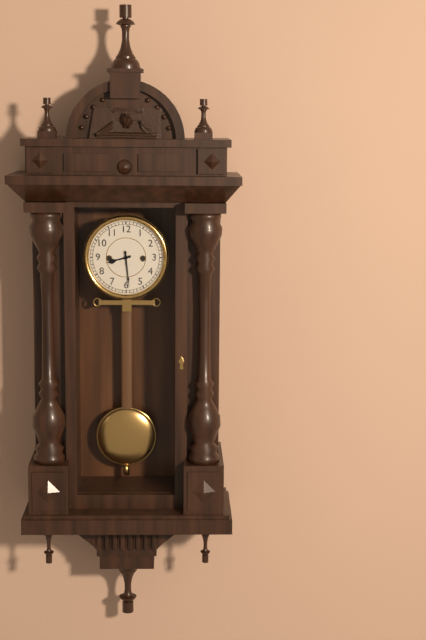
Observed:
{"hour": 8, "minute": 29}
